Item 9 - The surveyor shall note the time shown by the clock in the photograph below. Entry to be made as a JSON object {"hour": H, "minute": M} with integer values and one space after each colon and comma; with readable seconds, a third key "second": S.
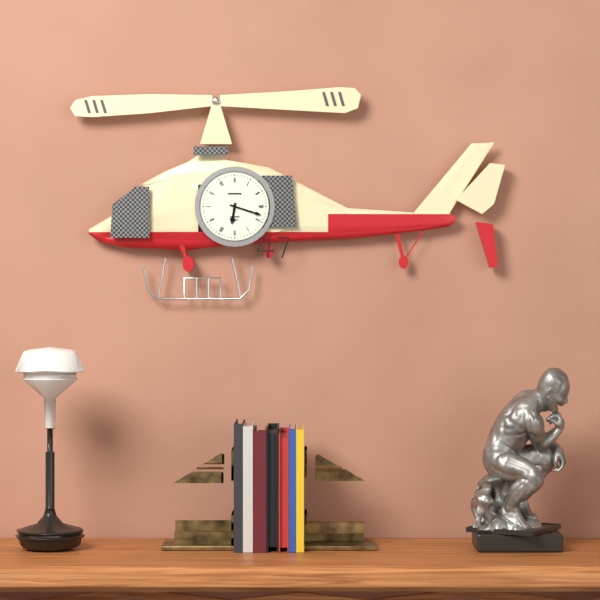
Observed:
{"hour": 6, "minute": 18}
